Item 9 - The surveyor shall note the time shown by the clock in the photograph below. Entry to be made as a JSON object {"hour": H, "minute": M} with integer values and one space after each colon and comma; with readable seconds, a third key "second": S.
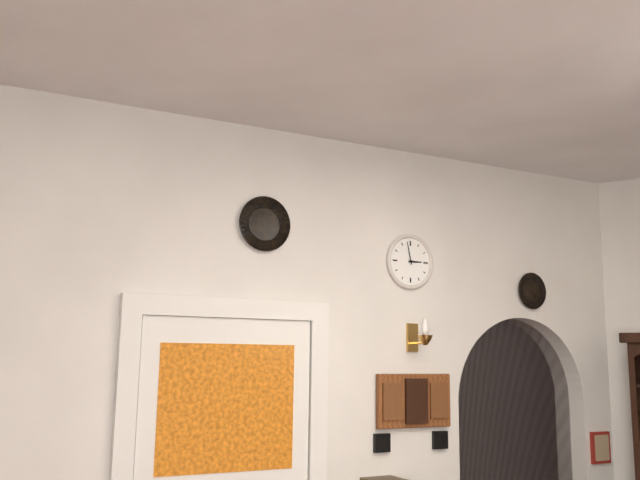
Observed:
{"hour": 2, "minute": 58}
